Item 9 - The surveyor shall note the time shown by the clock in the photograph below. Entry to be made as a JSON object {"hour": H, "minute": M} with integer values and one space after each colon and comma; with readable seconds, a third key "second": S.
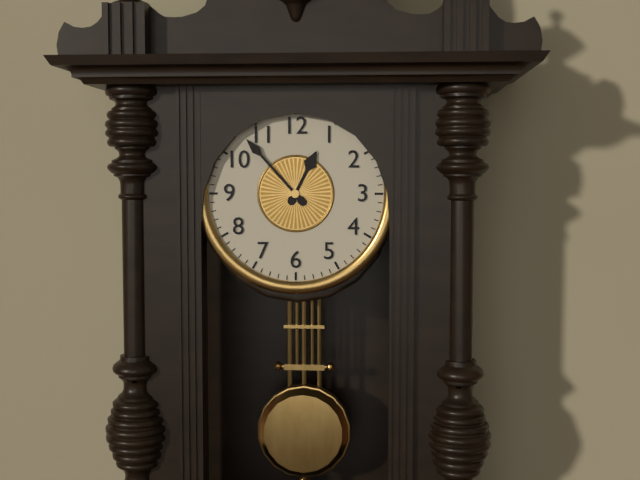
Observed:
{"hour": 12, "minute": 53}
